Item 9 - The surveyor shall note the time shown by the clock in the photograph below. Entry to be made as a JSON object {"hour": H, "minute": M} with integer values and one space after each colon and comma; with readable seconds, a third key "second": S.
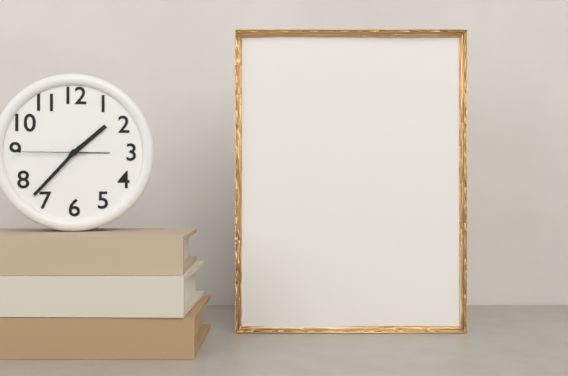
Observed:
{"hour": 1, "minute": 37, "second": 45}
